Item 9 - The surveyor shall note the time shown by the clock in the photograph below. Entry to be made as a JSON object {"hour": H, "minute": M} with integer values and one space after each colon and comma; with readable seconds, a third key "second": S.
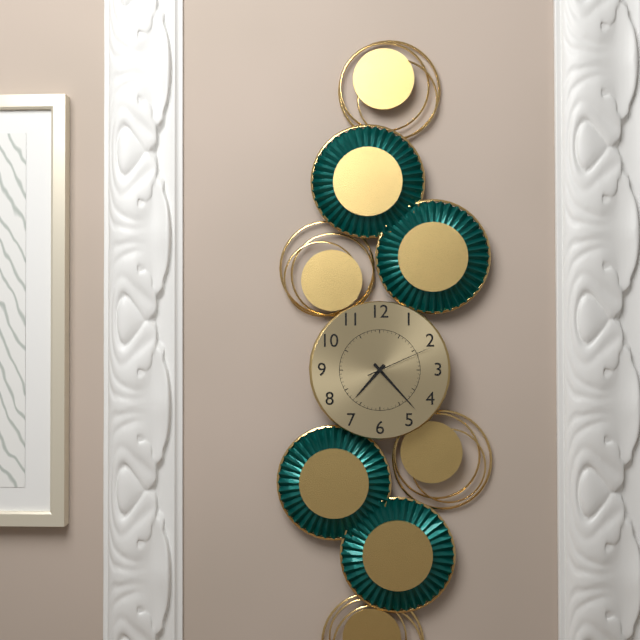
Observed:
{"hour": 7, "minute": 23, "second": 11}
